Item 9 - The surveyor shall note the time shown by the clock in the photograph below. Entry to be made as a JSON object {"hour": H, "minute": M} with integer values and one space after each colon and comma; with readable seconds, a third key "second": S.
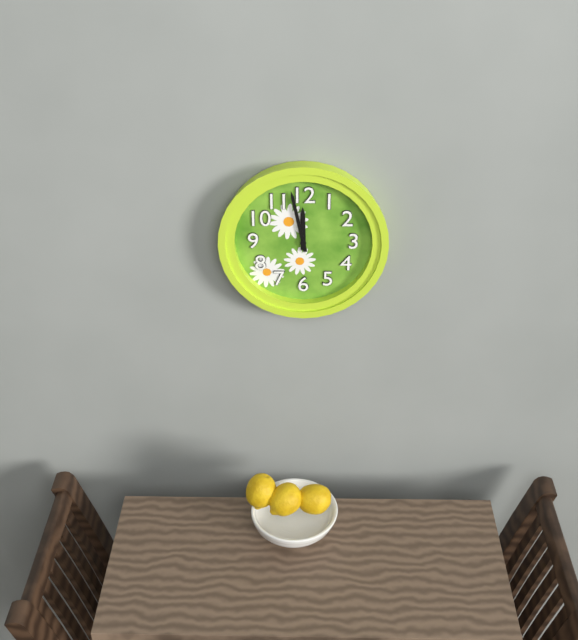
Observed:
{"hour": 11, "minute": 58}
